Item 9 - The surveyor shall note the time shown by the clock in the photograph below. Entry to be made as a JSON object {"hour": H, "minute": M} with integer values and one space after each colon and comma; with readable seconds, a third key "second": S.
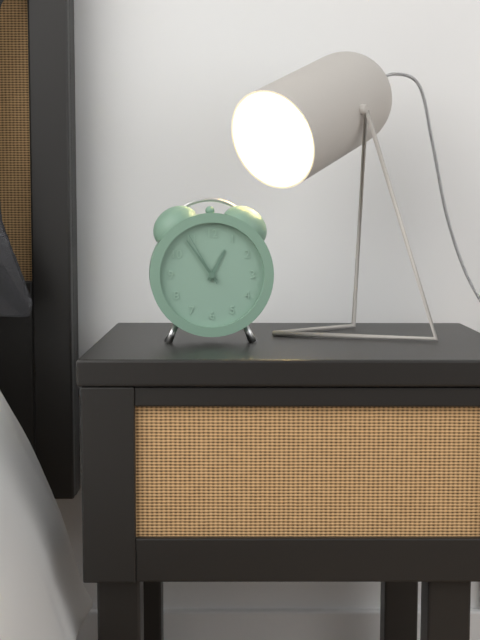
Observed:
{"hour": 12, "minute": 54, "second": 55}
